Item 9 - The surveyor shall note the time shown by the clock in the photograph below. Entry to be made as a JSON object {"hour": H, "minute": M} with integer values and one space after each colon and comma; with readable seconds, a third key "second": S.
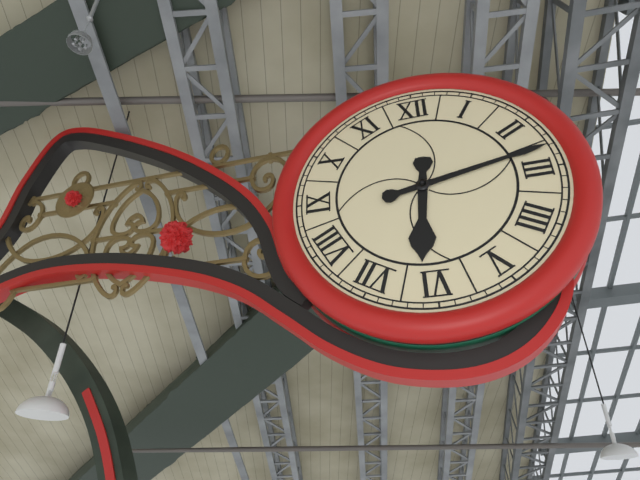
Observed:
{"hour": 6, "minute": 13}
